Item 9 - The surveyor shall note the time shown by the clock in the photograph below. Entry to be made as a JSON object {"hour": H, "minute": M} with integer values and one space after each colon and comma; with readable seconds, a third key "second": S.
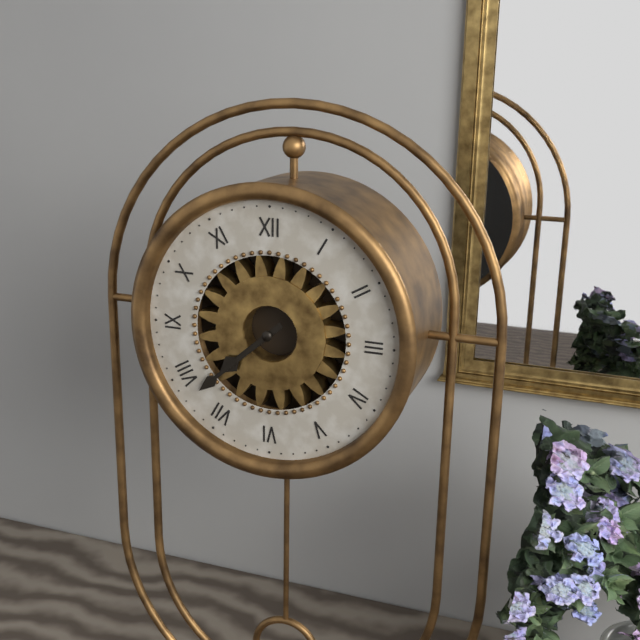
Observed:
{"hour": 7, "minute": 38}
